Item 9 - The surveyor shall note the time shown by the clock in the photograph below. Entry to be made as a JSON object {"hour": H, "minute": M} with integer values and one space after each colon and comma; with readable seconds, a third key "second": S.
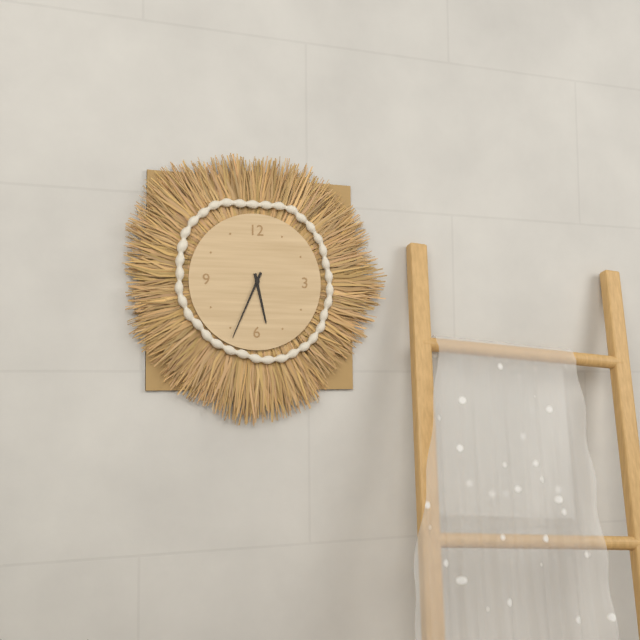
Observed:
{"hour": 5, "minute": 34}
